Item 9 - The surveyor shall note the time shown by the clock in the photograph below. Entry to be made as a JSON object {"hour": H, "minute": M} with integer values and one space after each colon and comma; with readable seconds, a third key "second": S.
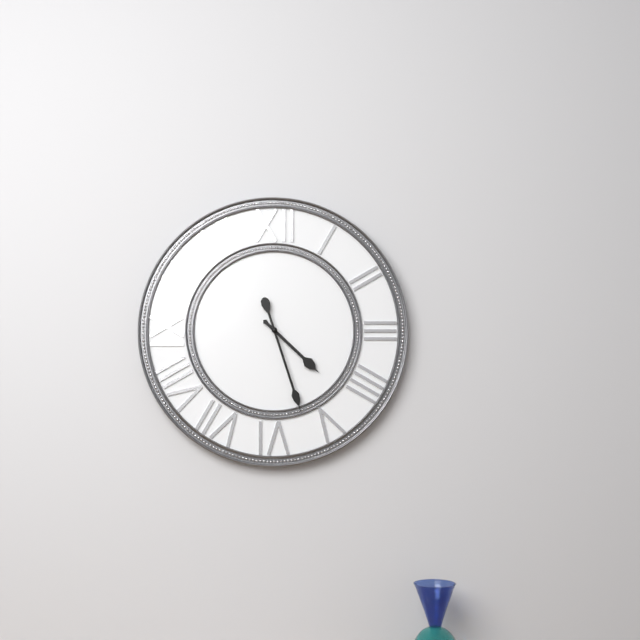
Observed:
{"hour": 4, "minute": 27}
